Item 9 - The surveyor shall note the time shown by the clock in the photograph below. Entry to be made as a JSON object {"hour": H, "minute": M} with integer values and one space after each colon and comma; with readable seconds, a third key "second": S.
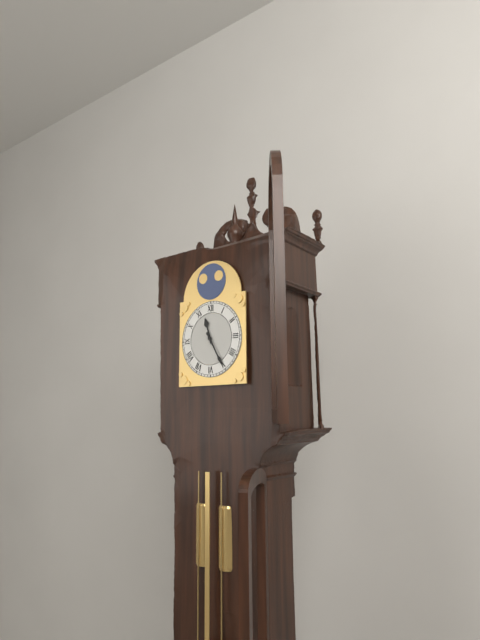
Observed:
{"hour": 11, "minute": 25}
